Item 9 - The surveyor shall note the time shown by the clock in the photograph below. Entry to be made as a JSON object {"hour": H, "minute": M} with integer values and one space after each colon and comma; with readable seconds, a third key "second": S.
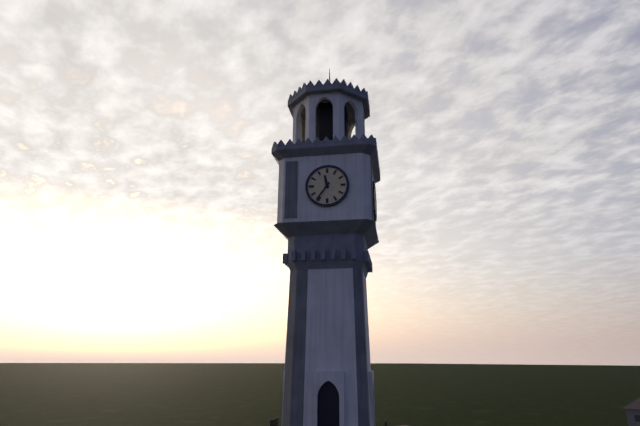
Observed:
{"hour": 11, "minute": 36}
